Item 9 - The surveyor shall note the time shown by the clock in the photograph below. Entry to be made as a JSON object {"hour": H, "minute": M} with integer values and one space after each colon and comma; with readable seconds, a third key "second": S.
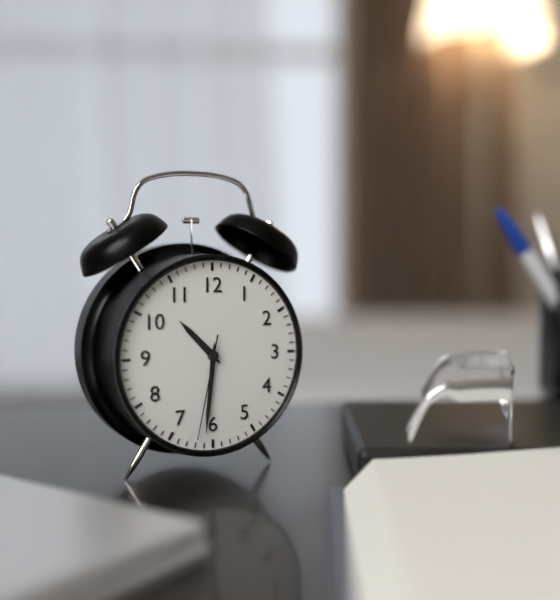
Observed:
{"hour": 10, "minute": 31, "second": 32}
